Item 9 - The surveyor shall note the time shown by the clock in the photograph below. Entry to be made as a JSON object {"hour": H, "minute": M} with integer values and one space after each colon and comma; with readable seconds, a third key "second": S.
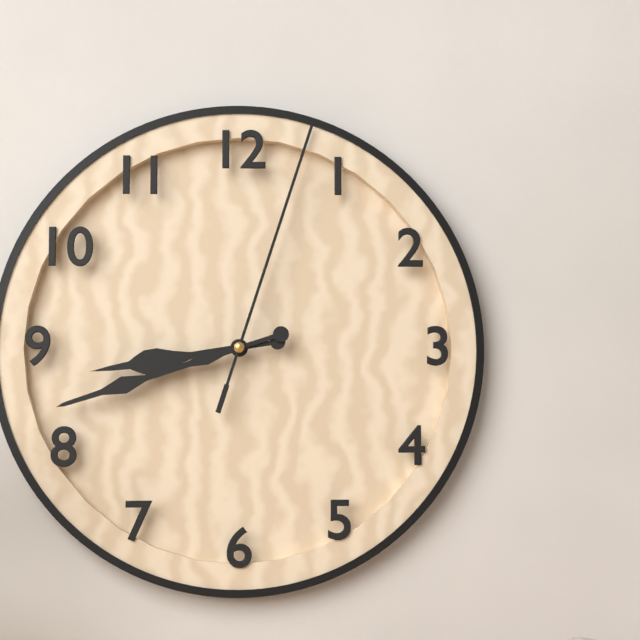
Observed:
{"hour": 8, "minute": 42, "second": 3}
